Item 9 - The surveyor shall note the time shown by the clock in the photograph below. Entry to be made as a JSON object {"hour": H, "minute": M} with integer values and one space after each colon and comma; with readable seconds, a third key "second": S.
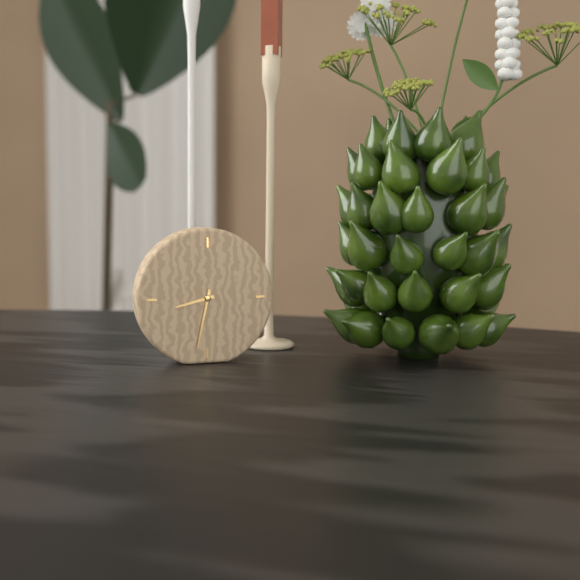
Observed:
{"hour": 8, "minute": 32}
